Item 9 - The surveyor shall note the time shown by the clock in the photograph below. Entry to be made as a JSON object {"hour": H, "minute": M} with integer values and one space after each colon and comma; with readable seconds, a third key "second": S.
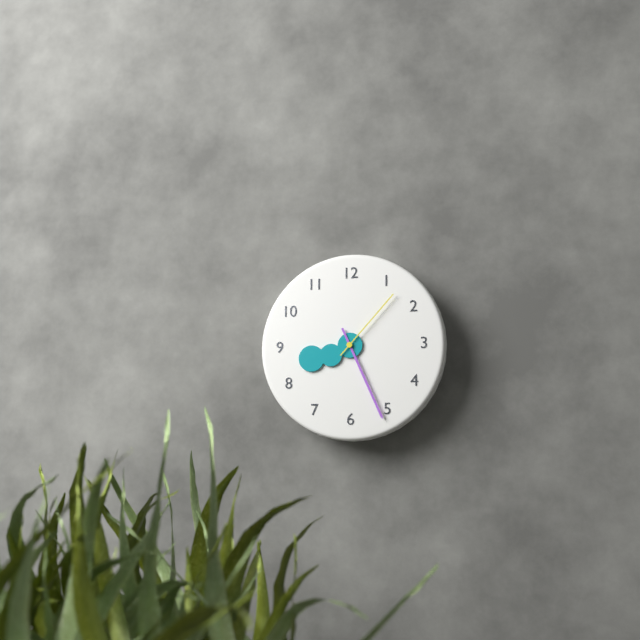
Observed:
{"hour": 8, "minute": 26, "second": 7}
